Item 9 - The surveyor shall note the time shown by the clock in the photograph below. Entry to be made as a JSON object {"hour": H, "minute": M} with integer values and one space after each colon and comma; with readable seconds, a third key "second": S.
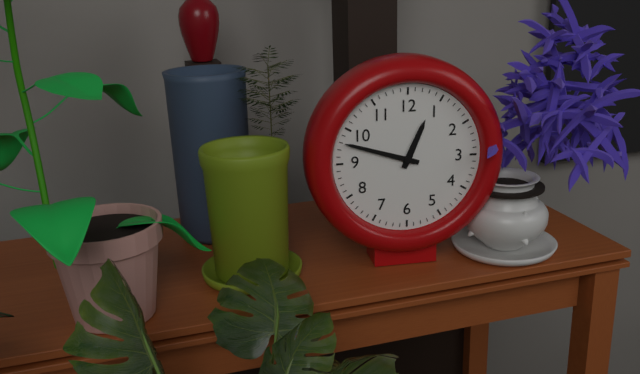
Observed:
{"hour": 12, "minute": 48}
